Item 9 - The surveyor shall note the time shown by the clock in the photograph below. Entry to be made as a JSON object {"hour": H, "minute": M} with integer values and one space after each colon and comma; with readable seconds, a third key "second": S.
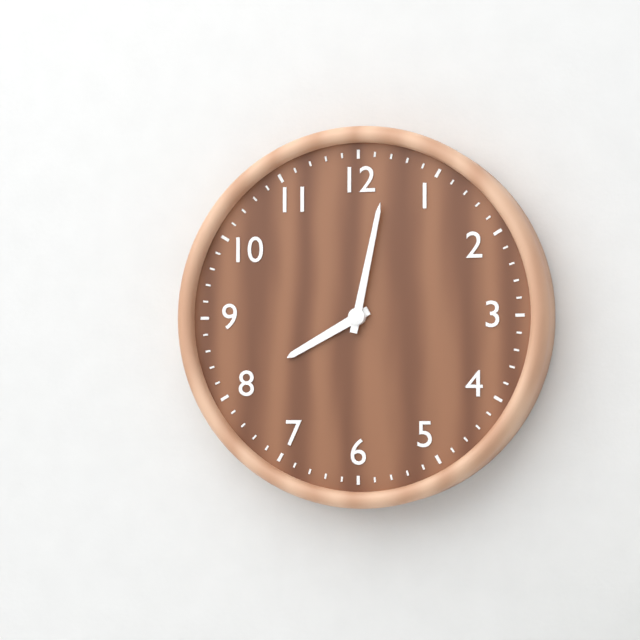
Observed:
{"hour": 8, "minute": 2}
